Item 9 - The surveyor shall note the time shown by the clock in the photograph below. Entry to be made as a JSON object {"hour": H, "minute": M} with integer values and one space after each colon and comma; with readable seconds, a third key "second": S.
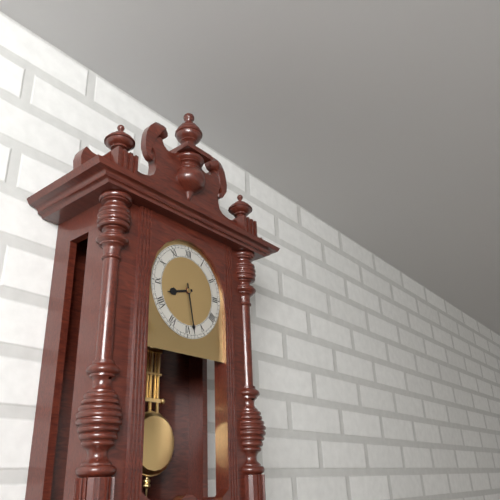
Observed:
{"hour": 8, "minute": 28}
